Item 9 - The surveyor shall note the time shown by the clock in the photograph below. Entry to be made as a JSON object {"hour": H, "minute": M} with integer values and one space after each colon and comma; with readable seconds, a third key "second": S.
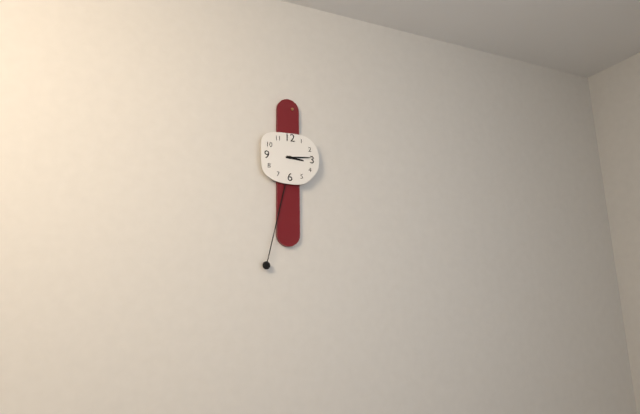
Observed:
{"hour": 3, "minute": 14}
